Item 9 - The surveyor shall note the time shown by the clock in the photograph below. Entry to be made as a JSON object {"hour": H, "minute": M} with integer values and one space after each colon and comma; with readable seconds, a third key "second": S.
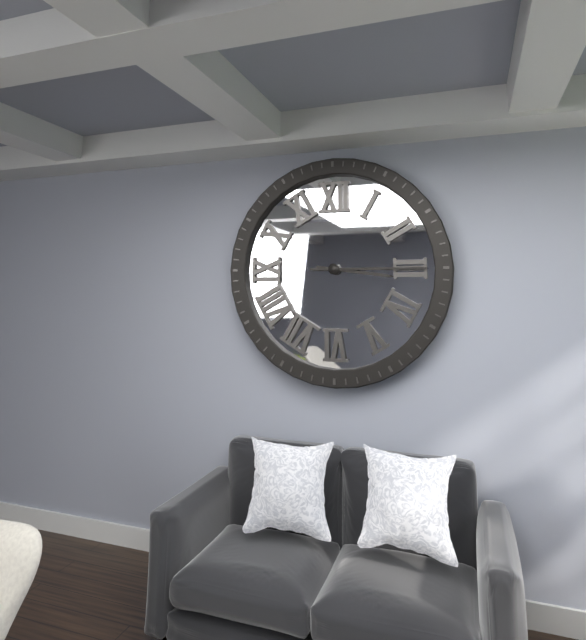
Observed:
{"hour": 3, "minute": 15}
